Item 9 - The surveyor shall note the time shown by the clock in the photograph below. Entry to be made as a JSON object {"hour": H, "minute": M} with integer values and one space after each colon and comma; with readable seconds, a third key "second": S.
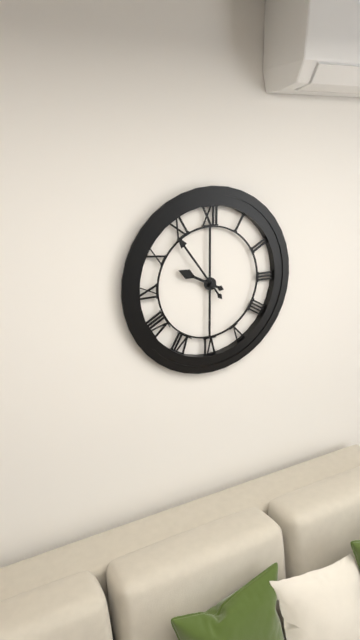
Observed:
{"hour": 9, "minute": 54}
